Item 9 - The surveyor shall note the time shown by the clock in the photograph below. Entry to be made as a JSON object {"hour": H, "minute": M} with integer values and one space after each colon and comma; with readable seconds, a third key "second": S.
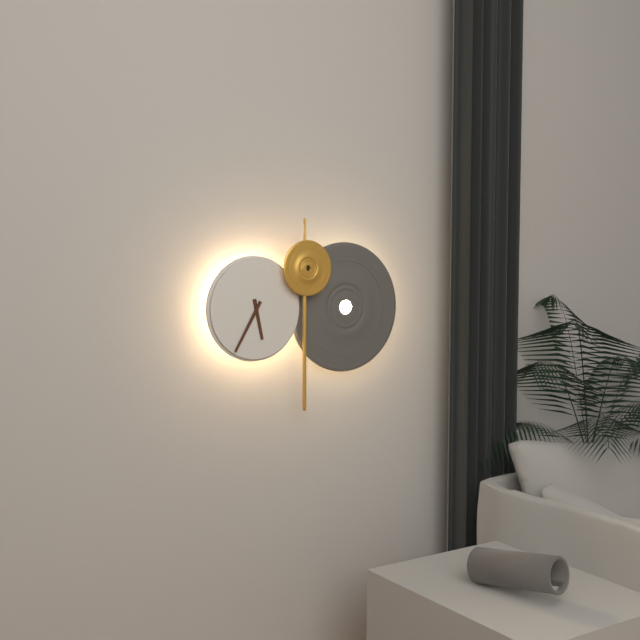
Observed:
{"hour": 5, "minute": 35}
